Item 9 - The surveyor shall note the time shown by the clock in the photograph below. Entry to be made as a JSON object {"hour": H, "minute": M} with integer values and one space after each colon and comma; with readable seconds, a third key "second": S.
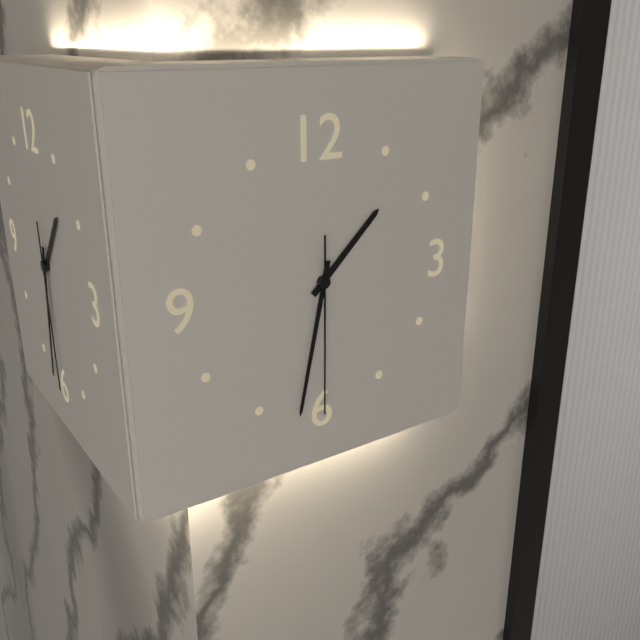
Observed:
{"hour": 1, "minute": 32, "second": 30}
